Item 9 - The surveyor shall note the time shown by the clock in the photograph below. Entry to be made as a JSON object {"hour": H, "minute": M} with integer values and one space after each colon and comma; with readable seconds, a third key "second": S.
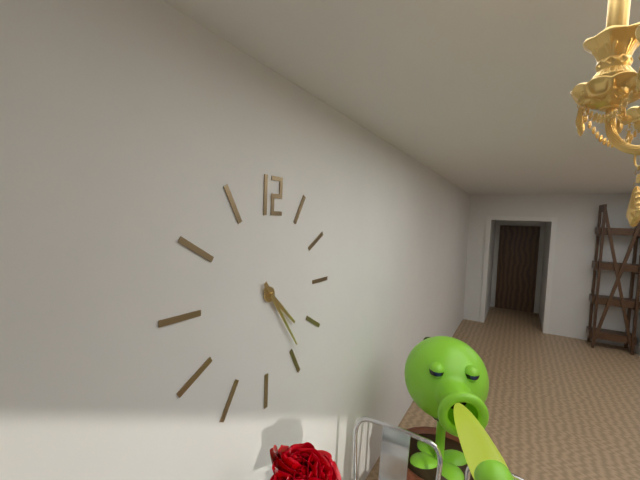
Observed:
{"hour": 4, "minute": 24}
